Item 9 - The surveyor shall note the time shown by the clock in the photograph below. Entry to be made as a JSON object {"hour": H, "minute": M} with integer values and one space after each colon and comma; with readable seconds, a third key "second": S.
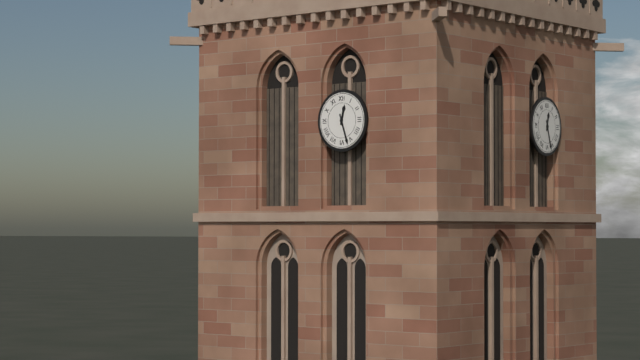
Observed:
{"hour": 12, "minute": 27}
